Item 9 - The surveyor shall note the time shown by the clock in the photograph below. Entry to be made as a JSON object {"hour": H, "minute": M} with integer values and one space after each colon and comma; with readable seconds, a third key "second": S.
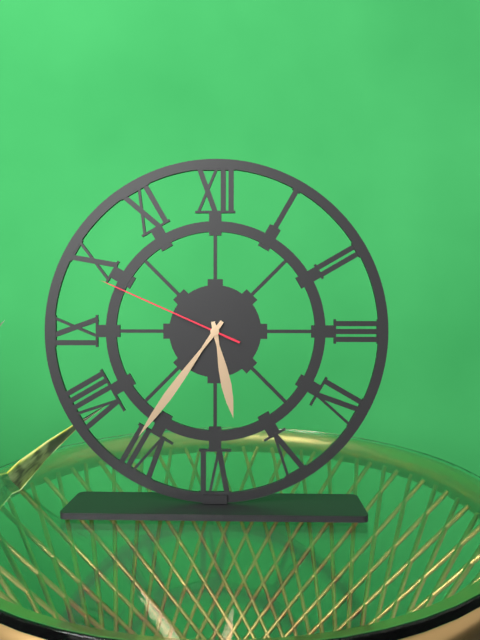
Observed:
{"hour": 5, "minute": 36, "second": 49}
